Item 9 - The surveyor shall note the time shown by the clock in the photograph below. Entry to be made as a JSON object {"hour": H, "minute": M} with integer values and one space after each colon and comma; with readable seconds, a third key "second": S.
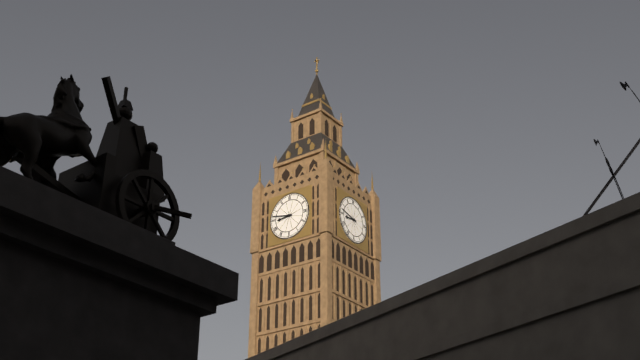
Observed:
{"hour": 8, "minute": 47}
